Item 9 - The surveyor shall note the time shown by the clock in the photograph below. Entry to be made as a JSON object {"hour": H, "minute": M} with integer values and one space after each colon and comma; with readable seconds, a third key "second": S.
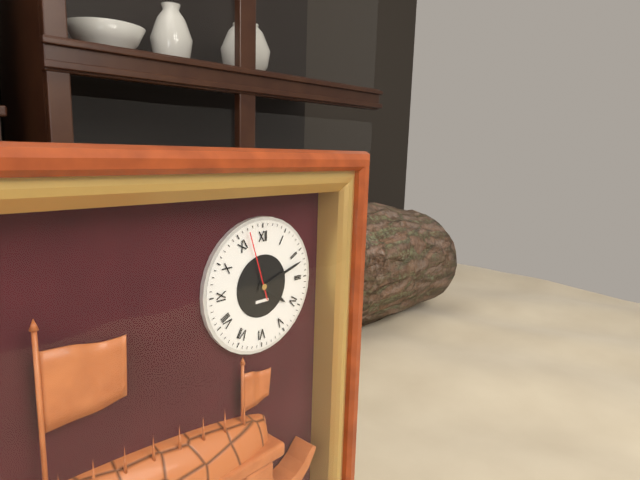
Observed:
{"hour": 4, "minute": 12, "second": 57}
